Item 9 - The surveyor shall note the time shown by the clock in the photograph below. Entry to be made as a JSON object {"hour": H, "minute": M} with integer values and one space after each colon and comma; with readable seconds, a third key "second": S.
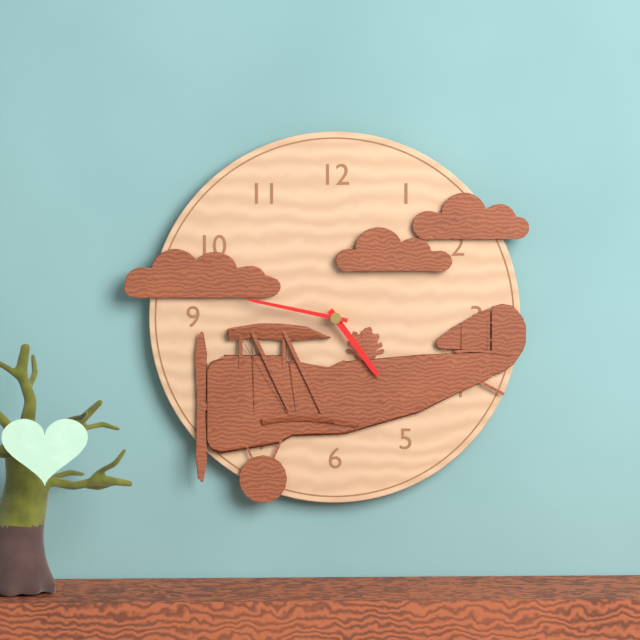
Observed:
{"hour": 4, "minute": 47}
